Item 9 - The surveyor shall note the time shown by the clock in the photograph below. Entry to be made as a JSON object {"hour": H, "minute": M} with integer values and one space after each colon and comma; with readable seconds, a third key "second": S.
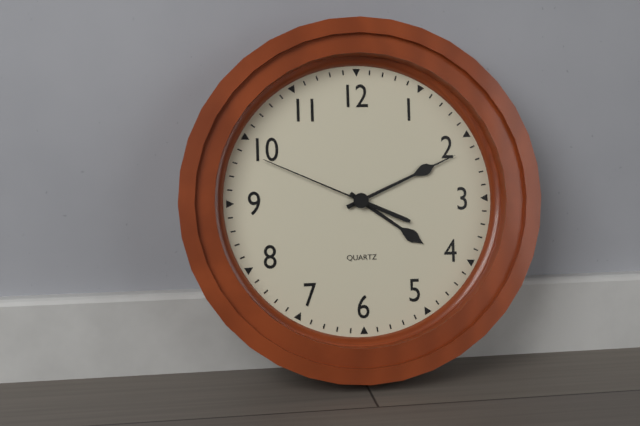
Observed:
{"hour": 4, "minute": 11, "second": 49}
